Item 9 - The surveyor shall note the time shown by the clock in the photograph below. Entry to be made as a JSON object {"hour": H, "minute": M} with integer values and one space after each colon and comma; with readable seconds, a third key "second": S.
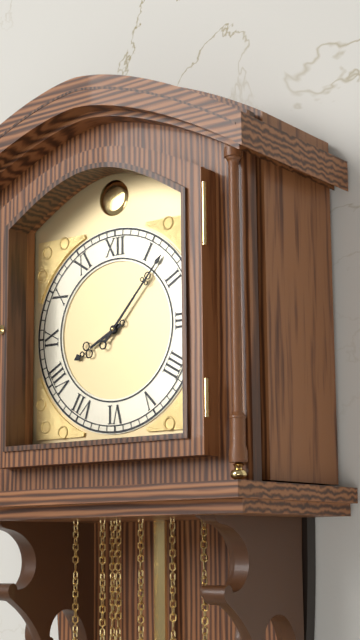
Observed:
{"hour": 8, "minute": 7}
